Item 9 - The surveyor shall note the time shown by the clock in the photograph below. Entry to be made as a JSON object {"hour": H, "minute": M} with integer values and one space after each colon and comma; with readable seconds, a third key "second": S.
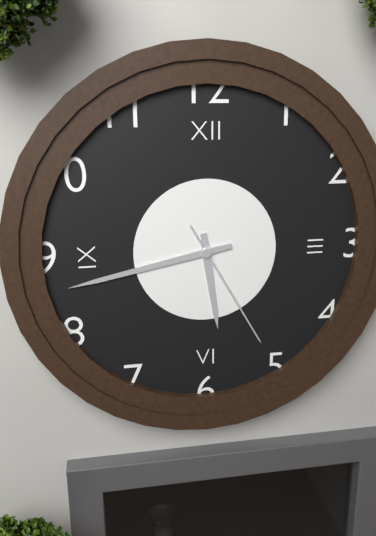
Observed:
{"hour": 5, "minute": 43, "second": 25}
